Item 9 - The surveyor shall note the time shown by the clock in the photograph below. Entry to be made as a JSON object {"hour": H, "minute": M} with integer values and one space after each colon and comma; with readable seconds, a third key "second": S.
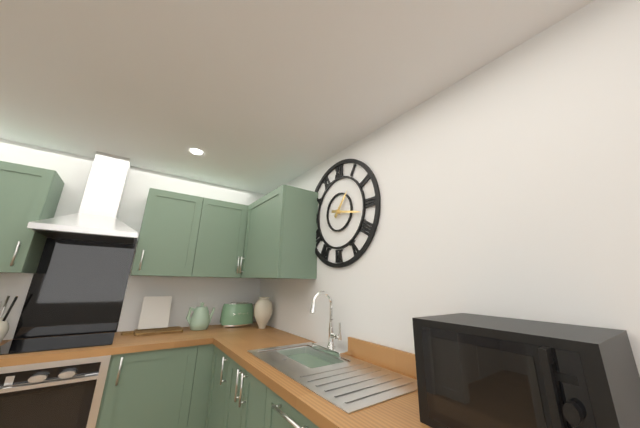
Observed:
{"hour": 1, "minute": 17}
